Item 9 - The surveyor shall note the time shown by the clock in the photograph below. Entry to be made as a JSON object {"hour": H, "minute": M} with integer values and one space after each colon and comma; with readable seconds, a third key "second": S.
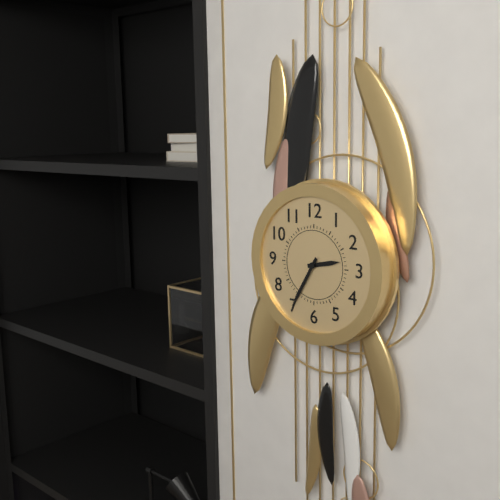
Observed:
{"hour": 2, "minute": 35}
